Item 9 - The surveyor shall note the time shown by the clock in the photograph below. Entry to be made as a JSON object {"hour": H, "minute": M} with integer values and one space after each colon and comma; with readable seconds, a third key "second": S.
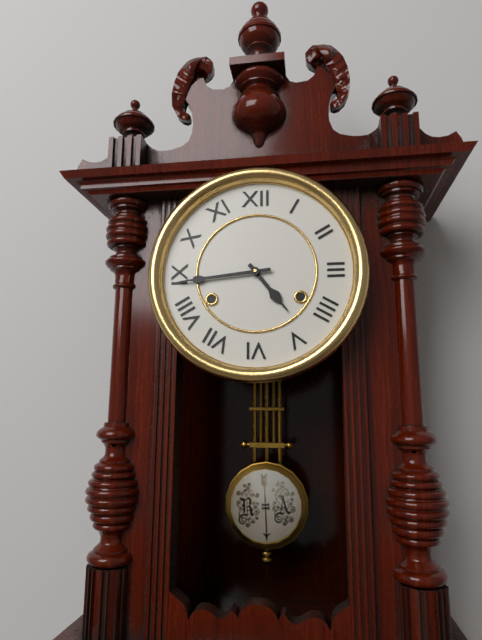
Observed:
{"hour": 4, "minute": 44}
